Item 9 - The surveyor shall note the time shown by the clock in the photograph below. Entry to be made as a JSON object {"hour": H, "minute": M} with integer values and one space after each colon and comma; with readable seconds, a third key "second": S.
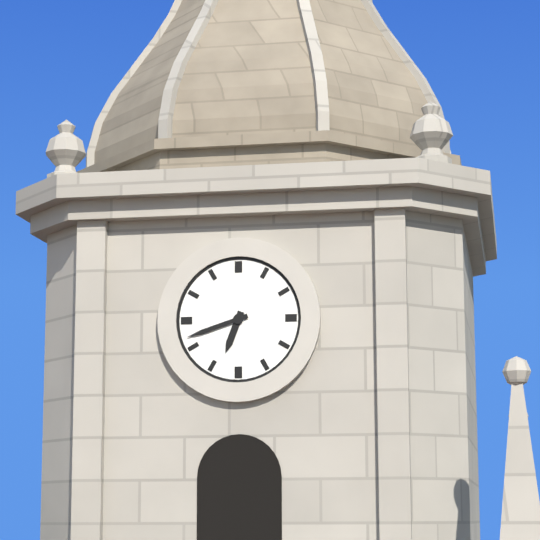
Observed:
{"hour": 6, "minute": 42}
